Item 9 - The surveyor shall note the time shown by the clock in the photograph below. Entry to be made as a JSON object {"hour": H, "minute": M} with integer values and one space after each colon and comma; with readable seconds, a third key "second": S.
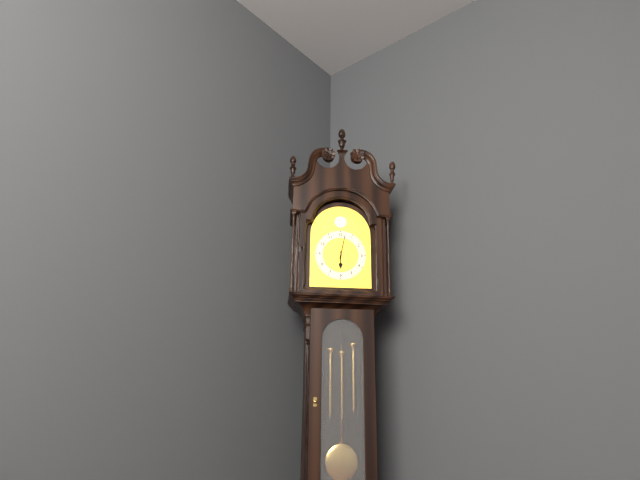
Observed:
{"hour": 6, "minute": 2}
